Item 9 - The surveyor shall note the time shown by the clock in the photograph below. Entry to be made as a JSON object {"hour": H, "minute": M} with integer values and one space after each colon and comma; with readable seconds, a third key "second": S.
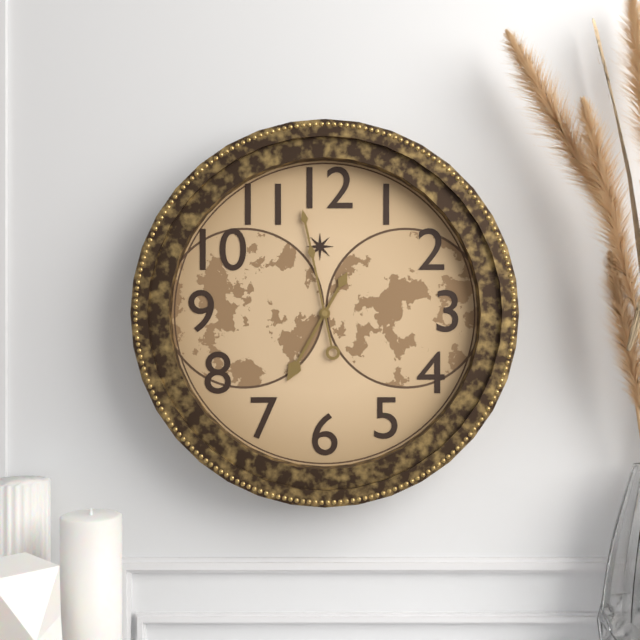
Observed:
{"hour": 6, "minute": 58}
